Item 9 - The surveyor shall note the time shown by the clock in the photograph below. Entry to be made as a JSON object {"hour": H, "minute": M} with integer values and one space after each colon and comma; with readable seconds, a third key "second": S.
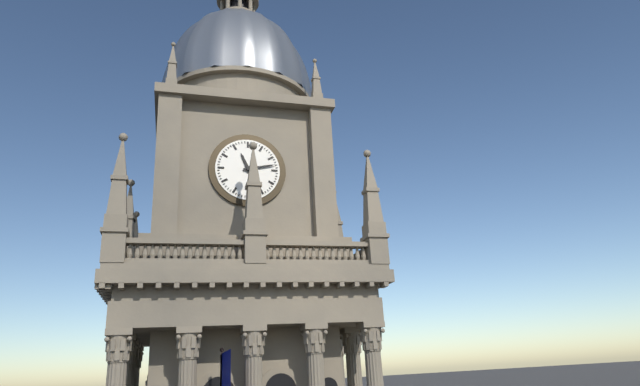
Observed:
{"hour": 11, "minute": 13}
